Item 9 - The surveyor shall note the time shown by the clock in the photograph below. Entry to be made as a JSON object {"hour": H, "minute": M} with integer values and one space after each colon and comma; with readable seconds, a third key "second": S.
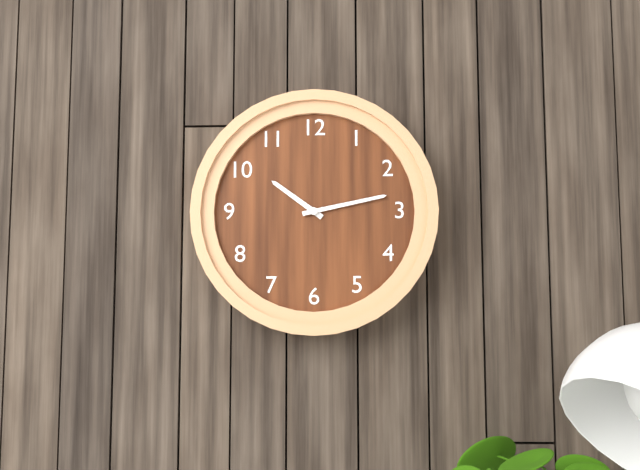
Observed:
{"hour": 10, "minute": 13}
